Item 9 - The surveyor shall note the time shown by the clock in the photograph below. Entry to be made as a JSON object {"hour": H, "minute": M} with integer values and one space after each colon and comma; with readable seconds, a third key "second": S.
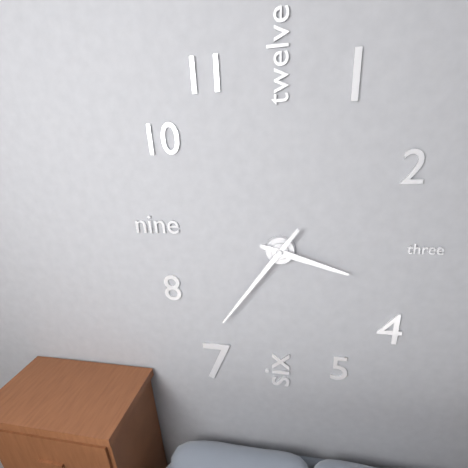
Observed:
{"hour": 3, "minute": 36}
